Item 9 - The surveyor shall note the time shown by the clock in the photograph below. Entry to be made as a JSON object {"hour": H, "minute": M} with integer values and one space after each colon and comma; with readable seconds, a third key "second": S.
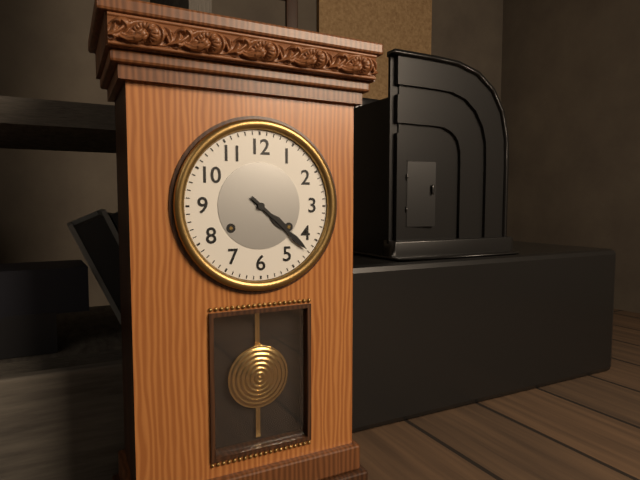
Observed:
{"hour": 4, "minute": 22}
